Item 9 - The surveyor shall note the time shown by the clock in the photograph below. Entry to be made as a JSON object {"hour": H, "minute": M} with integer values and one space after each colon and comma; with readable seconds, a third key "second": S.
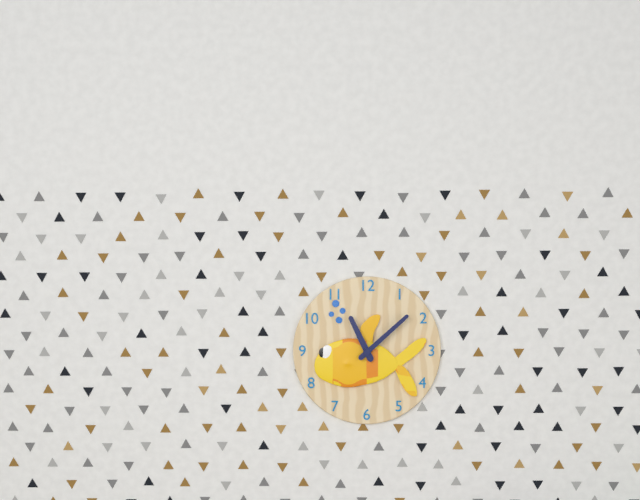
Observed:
{"hour": 11, "minute": 8}
